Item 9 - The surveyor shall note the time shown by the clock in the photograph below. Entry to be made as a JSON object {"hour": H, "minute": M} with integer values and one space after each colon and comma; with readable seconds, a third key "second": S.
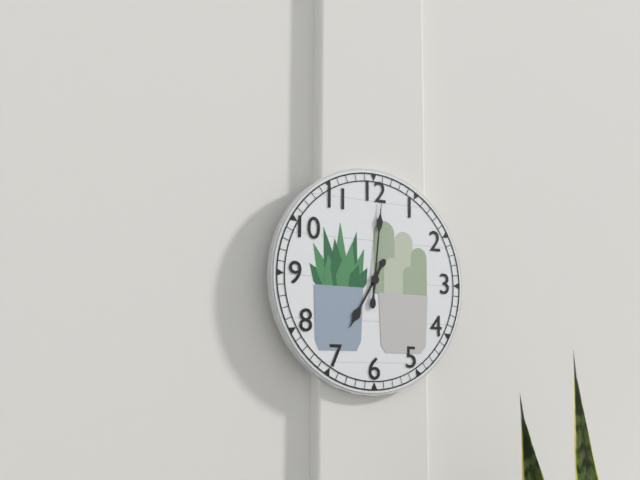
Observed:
{"hour": 7, "minute": 1}
